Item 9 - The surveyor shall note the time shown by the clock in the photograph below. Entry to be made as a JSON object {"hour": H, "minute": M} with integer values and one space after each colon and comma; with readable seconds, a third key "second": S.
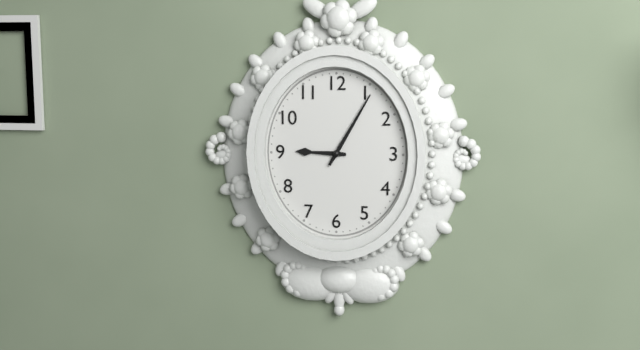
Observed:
{"hour": 9, "minute": 5}
